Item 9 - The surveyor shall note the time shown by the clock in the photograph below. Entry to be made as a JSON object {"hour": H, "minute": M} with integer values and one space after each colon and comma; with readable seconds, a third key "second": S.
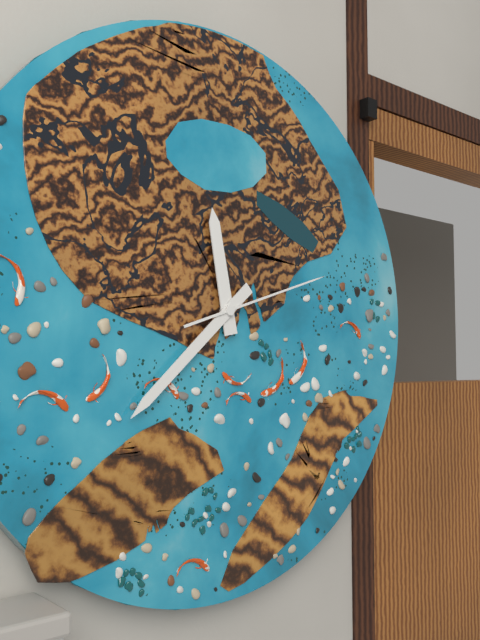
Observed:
{"hour": 11, "minute": 38, "second": 12}
